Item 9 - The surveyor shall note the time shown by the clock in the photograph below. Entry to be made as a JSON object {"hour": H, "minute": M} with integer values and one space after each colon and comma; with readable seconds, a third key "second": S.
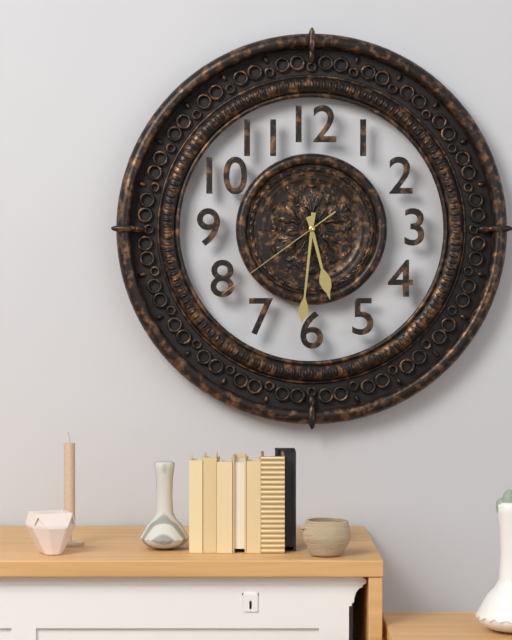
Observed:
{"hour": 5, "minute": 31, "second": 39}
